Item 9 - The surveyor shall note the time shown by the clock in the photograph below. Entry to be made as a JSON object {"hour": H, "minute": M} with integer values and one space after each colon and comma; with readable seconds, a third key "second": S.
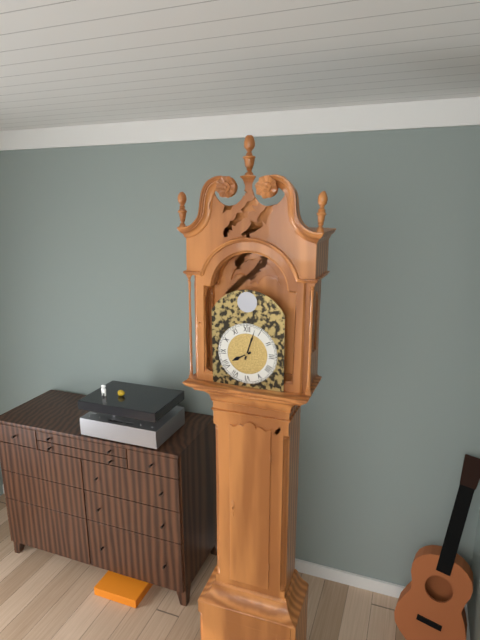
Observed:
{"hour": 8, "minute": 3}
